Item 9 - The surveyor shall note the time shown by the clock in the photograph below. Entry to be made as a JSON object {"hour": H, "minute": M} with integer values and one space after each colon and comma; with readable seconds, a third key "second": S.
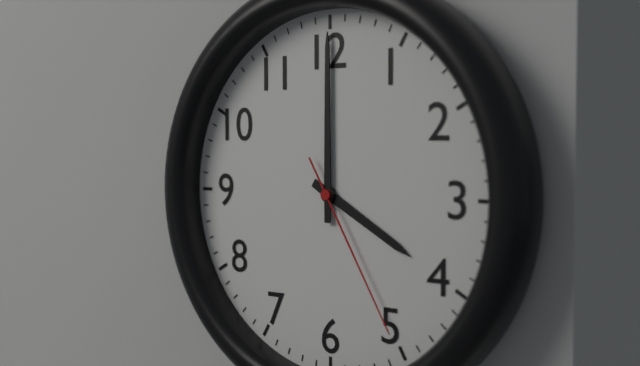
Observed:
{"hour": 4, "minute": 0, "second": 25}
